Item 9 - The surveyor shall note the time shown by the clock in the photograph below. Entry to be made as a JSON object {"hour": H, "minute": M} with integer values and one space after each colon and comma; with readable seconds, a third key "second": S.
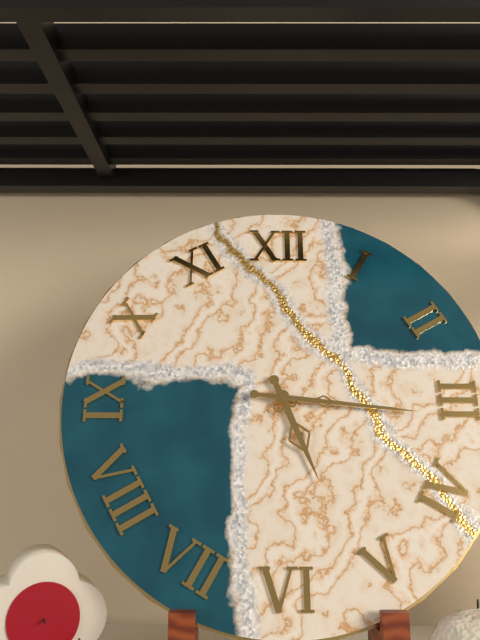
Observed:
{"hour": 5, "minute": 16}
